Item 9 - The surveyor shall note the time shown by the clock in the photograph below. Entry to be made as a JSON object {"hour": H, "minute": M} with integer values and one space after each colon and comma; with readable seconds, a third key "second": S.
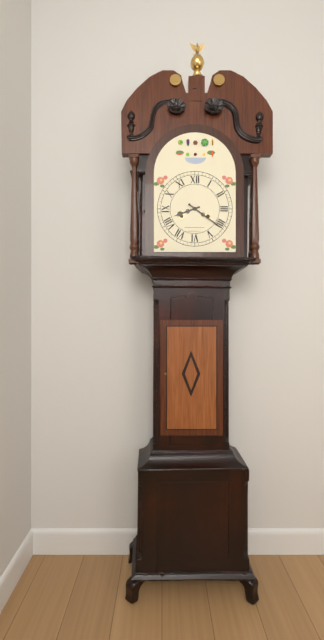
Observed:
{"hour": 8, "minute": 21}
